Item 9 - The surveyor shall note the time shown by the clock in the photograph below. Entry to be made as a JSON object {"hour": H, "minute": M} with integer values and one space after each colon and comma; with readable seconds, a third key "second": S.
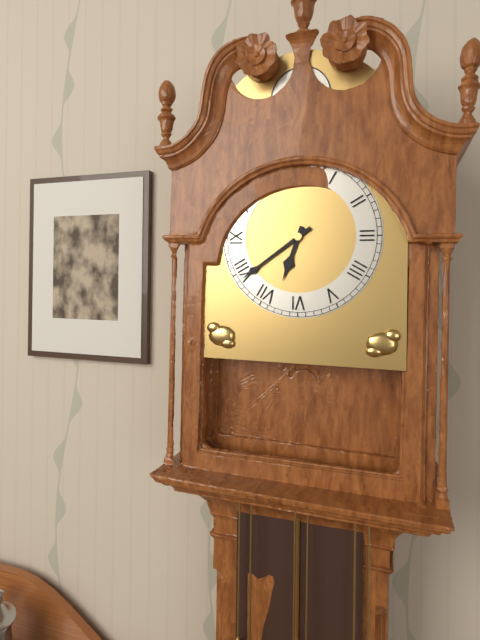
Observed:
{"hour": 6, "minute": 39}
